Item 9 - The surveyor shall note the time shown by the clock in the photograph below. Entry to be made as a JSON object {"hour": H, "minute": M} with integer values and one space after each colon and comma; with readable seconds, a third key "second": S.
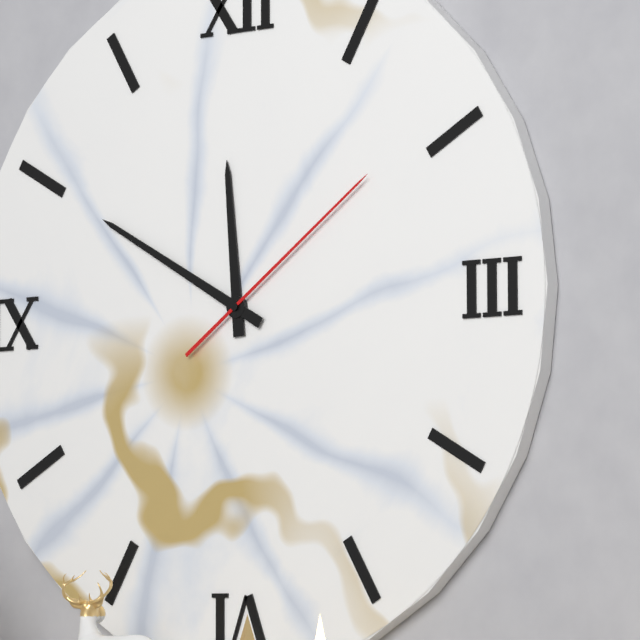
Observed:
{"hour": 11, "minute": 50, "second": 9}
